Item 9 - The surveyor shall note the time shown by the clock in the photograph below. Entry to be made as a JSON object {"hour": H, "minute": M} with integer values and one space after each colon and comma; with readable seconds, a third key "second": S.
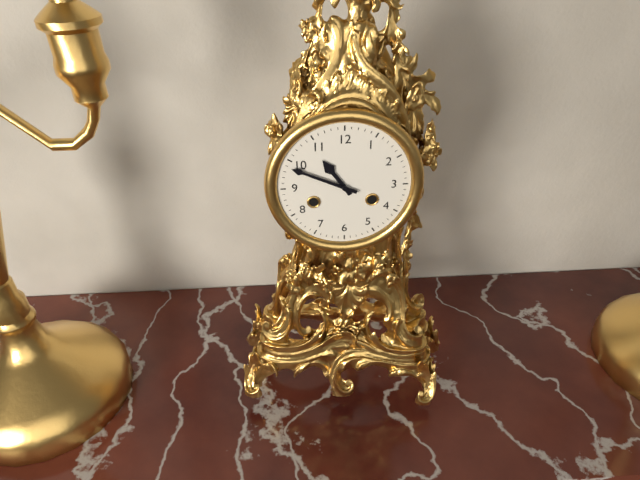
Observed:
{"hour": 10, "minute": 49}
